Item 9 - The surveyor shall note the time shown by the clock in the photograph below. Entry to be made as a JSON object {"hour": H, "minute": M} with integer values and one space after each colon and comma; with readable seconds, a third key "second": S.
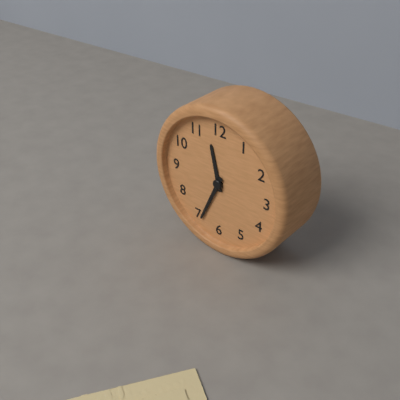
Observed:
{"hour": 11, "minute": 34}
